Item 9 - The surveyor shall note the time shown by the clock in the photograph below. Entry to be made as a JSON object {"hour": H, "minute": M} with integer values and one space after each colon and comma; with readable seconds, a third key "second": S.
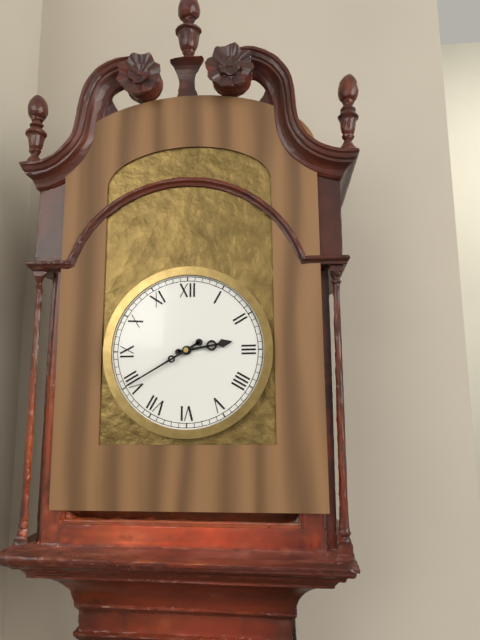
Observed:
{"hour": 2, "minute": 40}
